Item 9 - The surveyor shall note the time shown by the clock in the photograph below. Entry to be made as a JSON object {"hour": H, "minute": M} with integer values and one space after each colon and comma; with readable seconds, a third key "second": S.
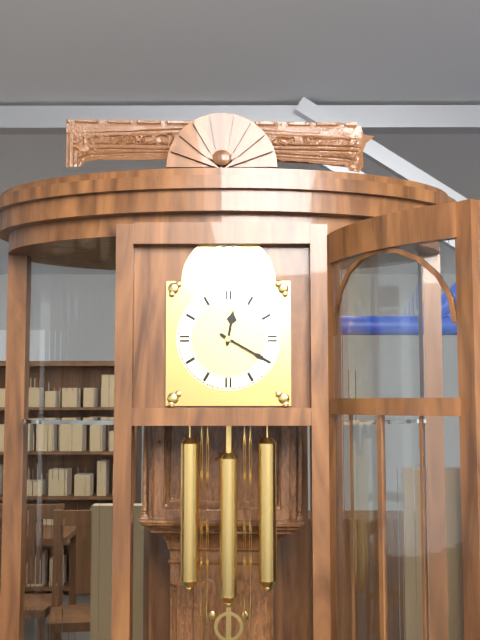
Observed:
{"hour": 12, "minute": 20}
